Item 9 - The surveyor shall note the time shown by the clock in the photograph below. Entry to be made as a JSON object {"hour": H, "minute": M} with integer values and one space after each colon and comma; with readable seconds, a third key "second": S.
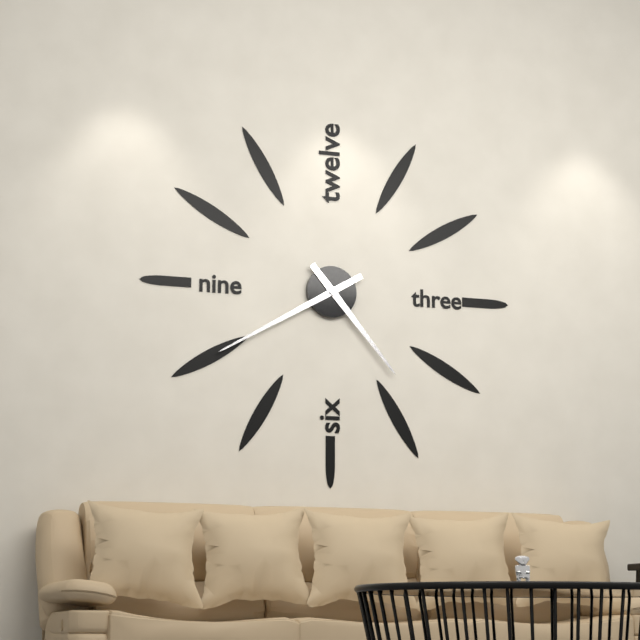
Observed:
{"hour": 4, "minute": 40}
